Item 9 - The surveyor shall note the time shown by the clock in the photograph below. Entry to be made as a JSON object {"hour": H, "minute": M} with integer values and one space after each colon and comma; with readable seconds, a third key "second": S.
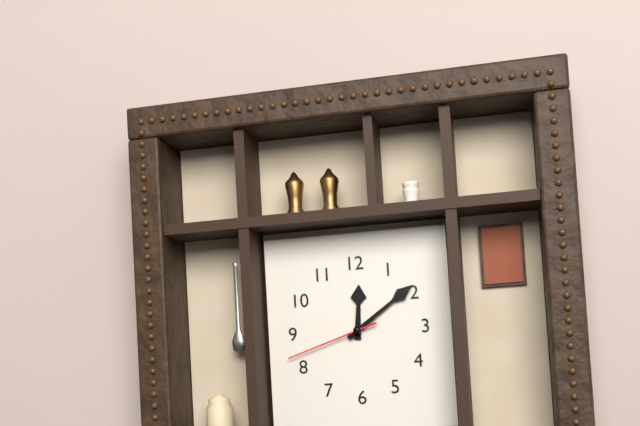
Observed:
{"hour": 12, "minute": 9, "second": 42}
